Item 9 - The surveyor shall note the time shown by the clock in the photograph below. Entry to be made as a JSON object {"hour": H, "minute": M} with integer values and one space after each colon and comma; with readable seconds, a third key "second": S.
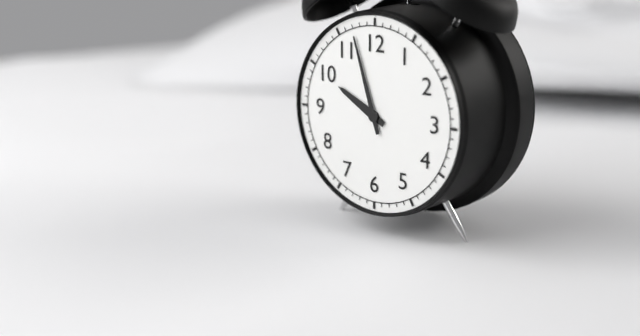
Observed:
{"hour": 9, "minute": 57}
